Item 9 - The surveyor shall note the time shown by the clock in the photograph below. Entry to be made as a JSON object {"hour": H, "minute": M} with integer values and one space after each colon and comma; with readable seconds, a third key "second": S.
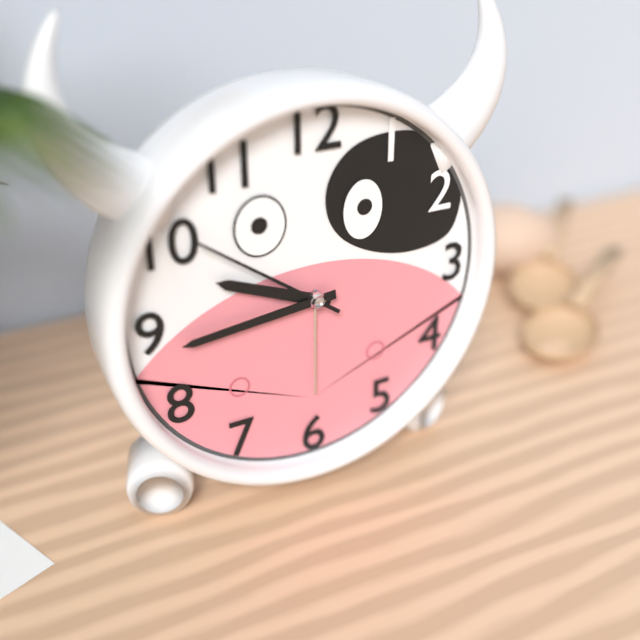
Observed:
{"hour": 9, "minute": 44, "second": 51}
